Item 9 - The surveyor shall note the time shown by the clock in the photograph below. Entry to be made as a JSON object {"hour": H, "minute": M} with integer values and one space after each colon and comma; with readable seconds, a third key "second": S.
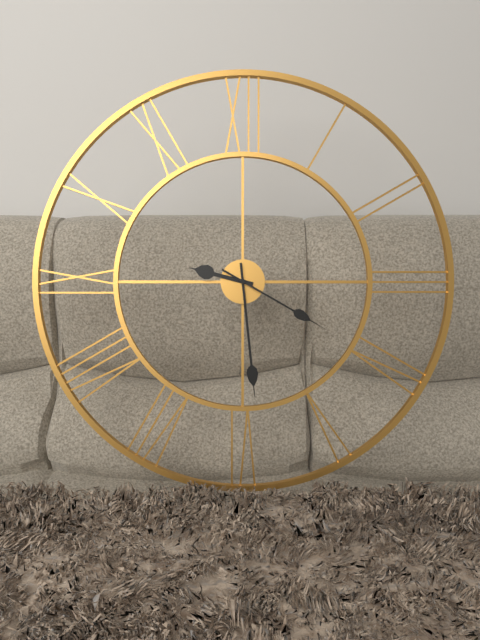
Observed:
{"hour": 9, "minute": 29, "second": 20}
